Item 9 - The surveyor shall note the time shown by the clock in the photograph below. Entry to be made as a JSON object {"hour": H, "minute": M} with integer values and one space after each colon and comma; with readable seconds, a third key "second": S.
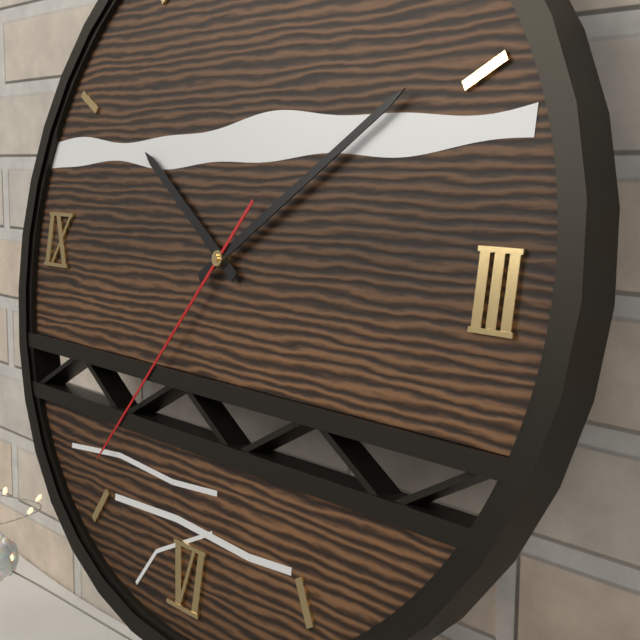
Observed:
{"hour": 10, "minute": 9, "second": 36}
